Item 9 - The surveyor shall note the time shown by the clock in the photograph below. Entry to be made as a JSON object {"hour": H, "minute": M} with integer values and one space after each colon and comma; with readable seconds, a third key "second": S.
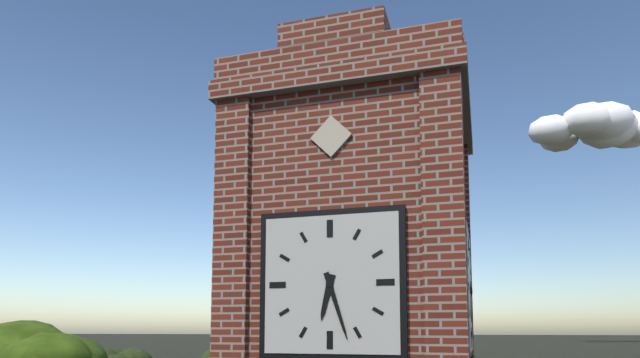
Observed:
{"hour": 6, "minute": 27}
